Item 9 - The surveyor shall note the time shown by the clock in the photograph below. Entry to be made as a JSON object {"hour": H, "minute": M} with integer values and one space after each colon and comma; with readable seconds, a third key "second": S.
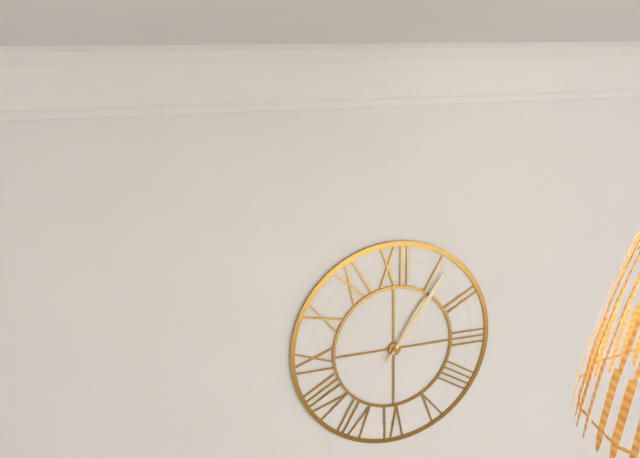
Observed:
{"hour": 1, "minute": 6}
